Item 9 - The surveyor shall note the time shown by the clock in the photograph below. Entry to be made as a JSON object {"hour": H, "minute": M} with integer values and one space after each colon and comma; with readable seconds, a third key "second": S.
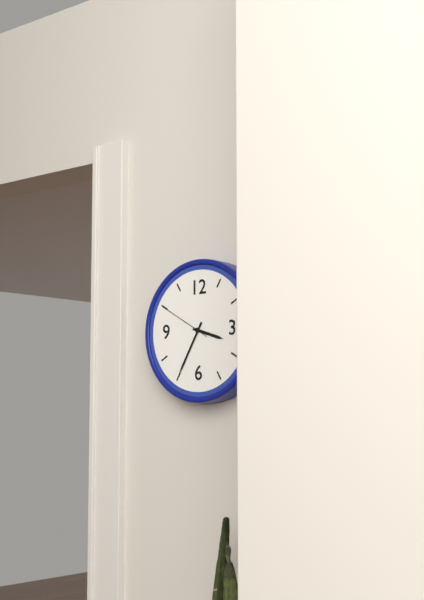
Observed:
{"hour": 3, "minute": 35, "second": 50}
